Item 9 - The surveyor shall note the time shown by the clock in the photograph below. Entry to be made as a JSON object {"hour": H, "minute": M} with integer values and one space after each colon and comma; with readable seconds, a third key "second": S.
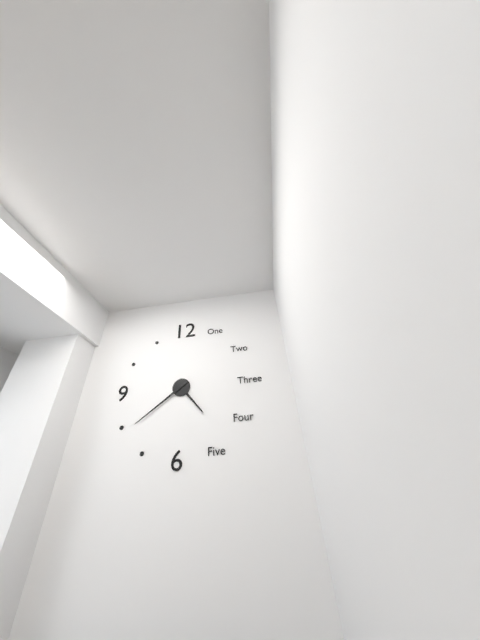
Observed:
{"hour": 4, "minute": 39}
